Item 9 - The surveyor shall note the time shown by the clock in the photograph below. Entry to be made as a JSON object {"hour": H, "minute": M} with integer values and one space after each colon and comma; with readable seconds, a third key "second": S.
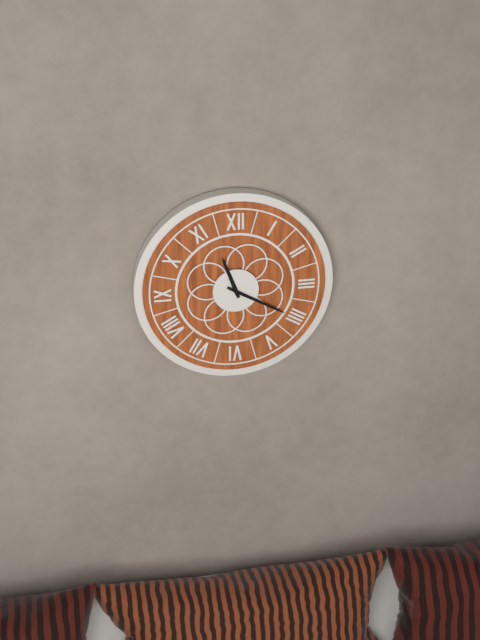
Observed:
{"hour": 11, "minute": 20}
